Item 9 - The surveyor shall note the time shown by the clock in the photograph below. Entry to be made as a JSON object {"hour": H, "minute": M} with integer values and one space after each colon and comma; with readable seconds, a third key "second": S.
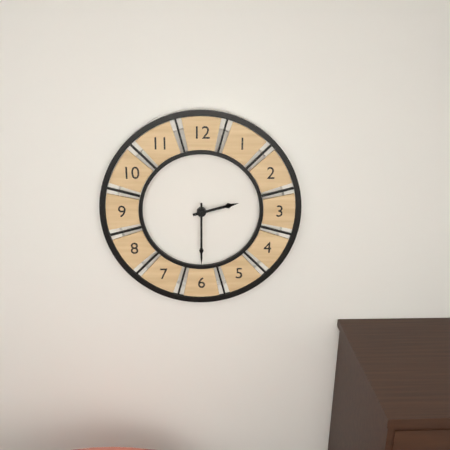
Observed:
{"hour": 2, "minute": 30}
